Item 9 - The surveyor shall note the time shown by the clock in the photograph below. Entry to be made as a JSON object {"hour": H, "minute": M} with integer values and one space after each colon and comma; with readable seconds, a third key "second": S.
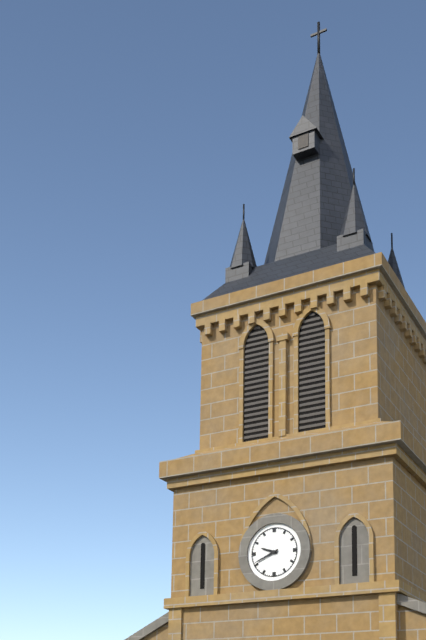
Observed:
{"hour": 9, "minute": 41}
